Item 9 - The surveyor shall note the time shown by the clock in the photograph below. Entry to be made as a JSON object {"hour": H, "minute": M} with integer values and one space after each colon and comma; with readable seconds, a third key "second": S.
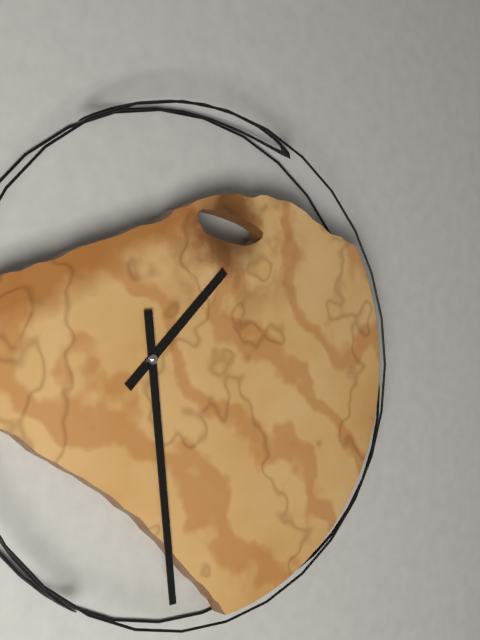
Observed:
{"hour": 1, "minute": 29}
